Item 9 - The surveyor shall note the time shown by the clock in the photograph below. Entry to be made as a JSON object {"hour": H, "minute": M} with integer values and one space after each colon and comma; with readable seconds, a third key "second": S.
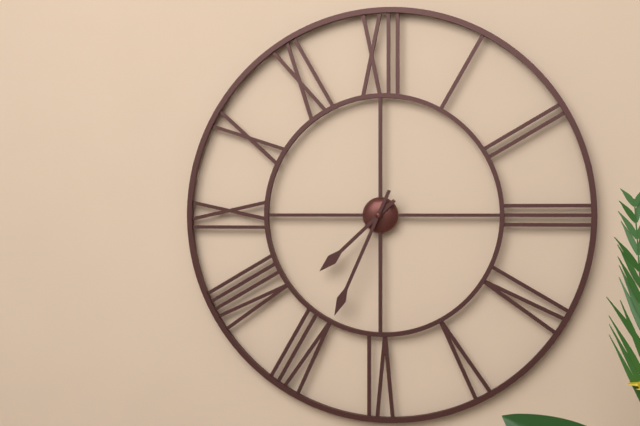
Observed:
{"hour": 7, "minute": 34}
